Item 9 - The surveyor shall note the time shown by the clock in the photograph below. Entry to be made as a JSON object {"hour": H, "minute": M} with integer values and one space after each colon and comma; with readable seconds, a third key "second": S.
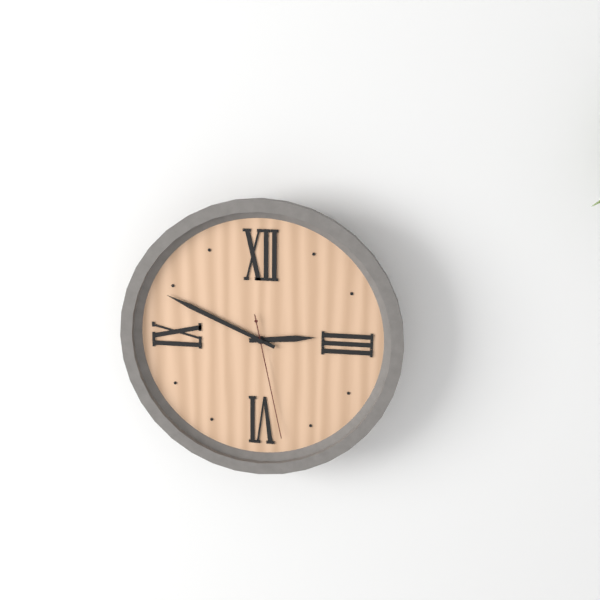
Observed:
{"hour": 2, "minute": 49, "second": 28}
